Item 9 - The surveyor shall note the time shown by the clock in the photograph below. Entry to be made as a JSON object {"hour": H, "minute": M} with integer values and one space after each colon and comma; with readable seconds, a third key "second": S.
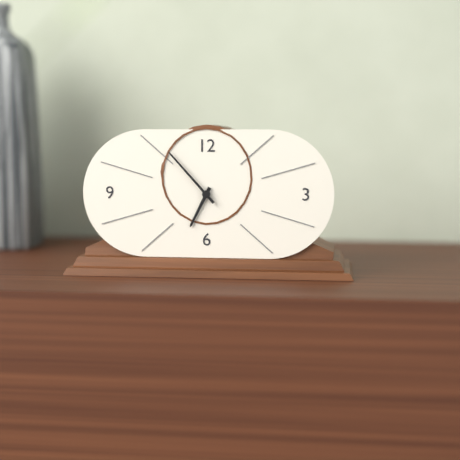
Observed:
{"hour": 6, "minute": 53}
